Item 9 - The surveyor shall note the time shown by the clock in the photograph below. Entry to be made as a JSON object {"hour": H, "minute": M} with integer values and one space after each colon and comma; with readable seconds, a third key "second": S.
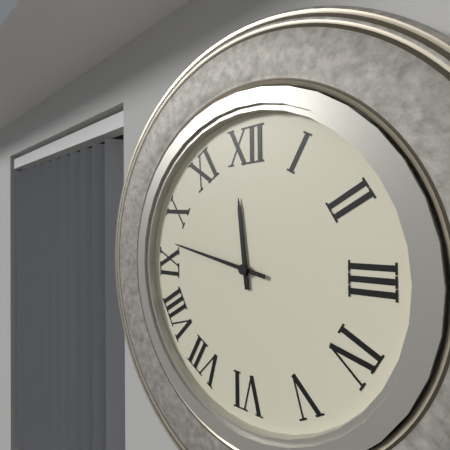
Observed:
{"hour": 11, "minute": 47}
